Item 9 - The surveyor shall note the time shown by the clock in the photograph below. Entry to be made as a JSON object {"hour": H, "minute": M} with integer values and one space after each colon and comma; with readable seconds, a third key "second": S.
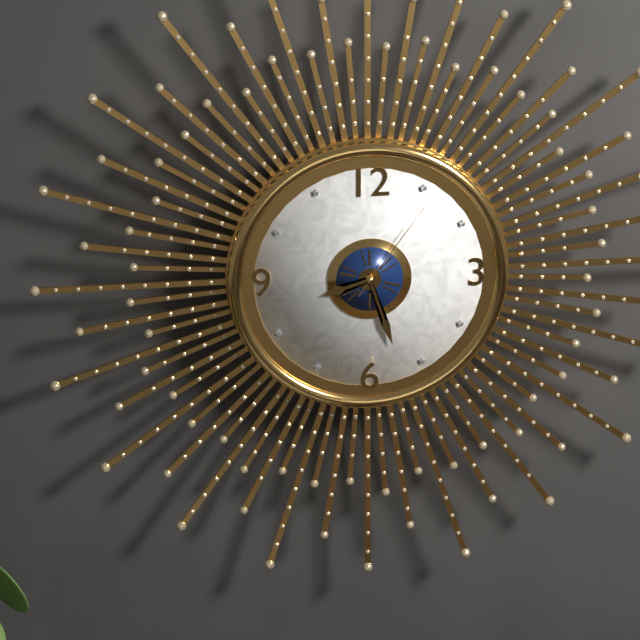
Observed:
{"hour": 8, "minute": 27, "second": 6}
